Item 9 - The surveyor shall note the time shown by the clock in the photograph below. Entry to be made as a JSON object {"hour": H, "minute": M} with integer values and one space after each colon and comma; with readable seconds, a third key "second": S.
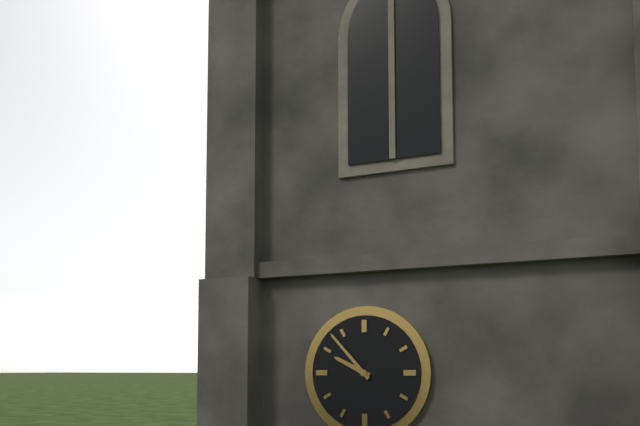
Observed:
{"hour": 9, "minute": 53}
